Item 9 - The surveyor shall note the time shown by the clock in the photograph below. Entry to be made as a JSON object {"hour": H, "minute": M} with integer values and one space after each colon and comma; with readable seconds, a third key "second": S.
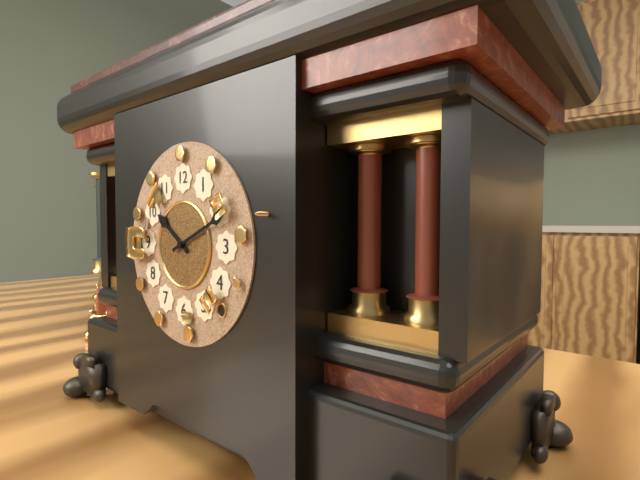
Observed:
{"hour": 10, "minute": 11}
